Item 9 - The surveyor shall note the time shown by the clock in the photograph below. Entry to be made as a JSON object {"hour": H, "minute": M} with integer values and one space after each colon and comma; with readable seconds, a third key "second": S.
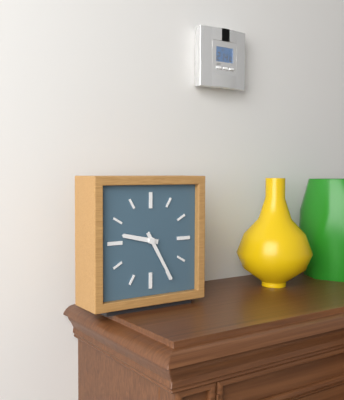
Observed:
{"hour": 9, "minute": 25}
